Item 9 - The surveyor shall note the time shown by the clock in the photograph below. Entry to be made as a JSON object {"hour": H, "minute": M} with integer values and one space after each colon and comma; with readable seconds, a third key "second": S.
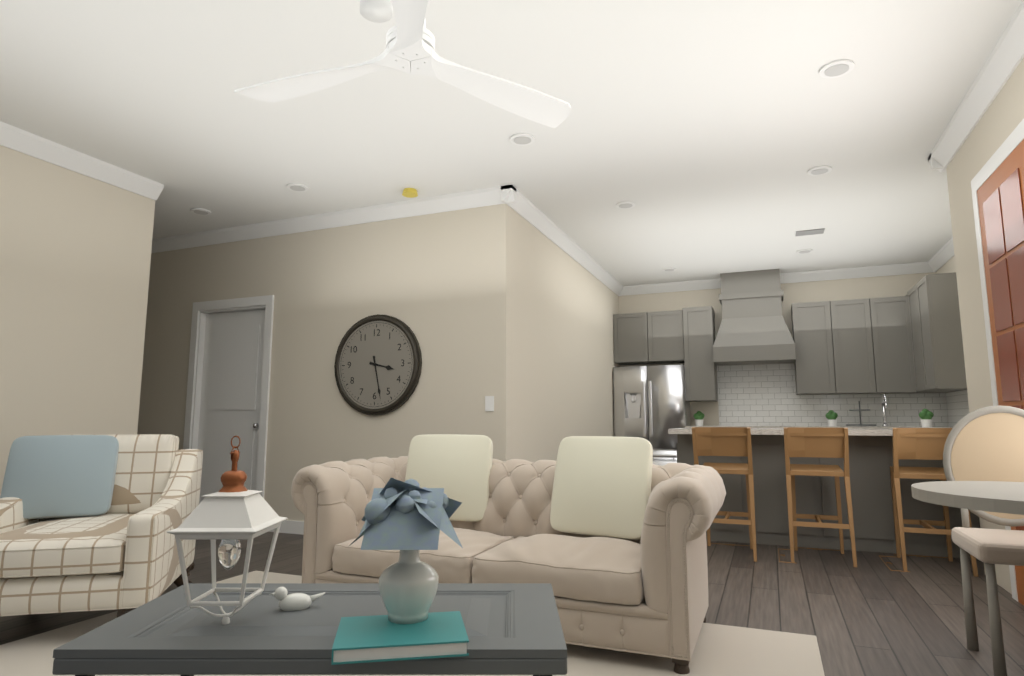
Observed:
{"hour": 3, "minute": 28}
